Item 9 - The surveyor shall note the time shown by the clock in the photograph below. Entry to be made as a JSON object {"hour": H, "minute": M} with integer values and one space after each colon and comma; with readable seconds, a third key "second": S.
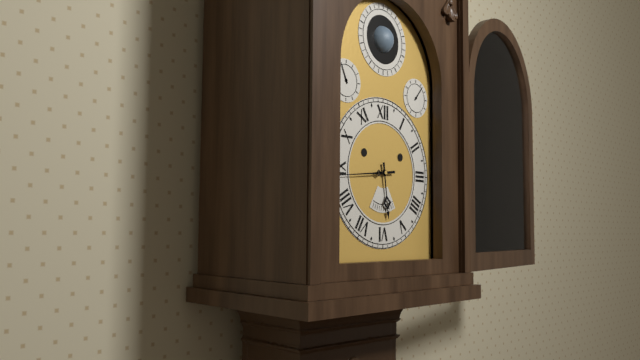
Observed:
{"hour": 5, "minute": 44}
